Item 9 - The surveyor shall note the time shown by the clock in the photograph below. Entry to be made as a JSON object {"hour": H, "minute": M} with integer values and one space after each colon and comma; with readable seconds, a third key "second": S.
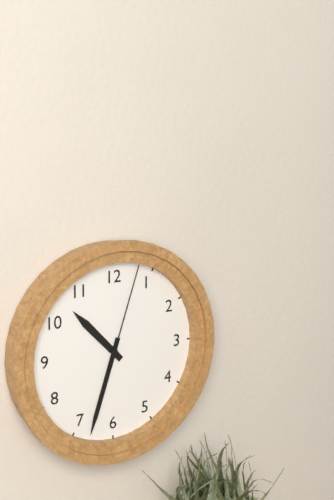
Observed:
{"hour": 10, "minute": 33, "second": 3}
